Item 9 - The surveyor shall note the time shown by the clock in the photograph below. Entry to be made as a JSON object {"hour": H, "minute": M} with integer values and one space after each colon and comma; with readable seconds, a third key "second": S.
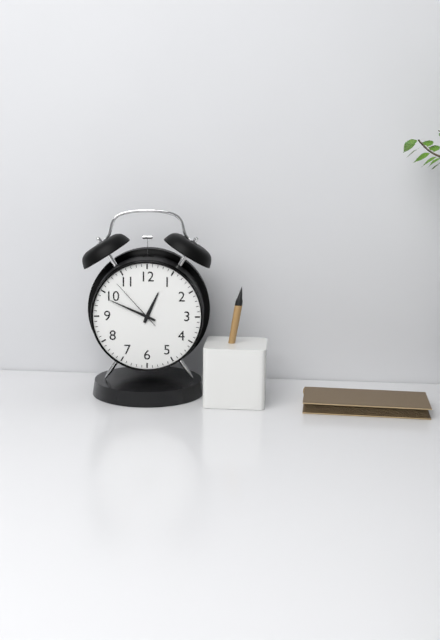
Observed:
{"hour": 12, "minute": 49, "second": 53}
